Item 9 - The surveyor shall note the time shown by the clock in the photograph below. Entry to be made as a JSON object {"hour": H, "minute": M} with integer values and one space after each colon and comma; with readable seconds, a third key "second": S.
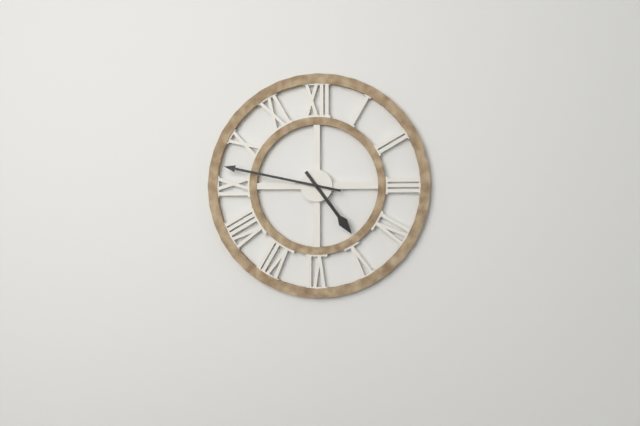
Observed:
{"hour": 4, "minute": 47}
